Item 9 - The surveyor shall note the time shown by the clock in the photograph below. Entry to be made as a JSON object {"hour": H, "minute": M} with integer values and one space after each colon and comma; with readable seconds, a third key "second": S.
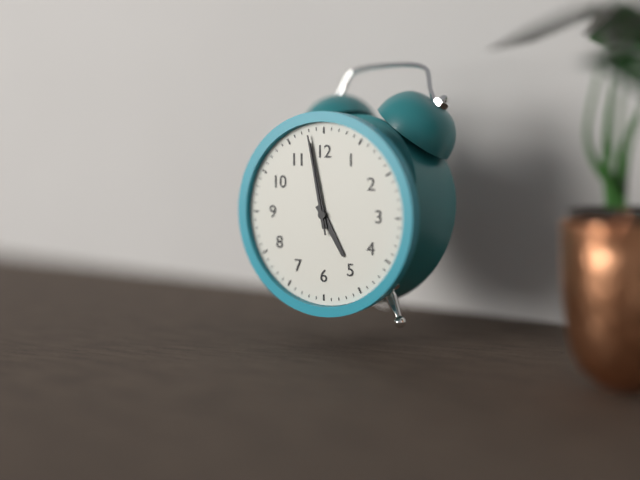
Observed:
{"hour": 4, "minute": 58, "second": 58}
